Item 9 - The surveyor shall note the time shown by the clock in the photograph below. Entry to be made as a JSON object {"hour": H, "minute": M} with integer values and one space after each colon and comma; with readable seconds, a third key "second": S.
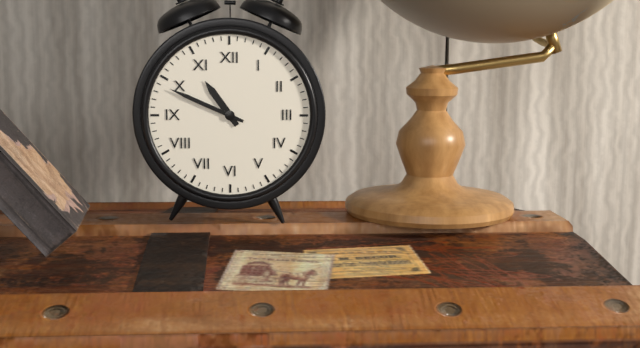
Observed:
{"hour": 10, "minute": 49}
